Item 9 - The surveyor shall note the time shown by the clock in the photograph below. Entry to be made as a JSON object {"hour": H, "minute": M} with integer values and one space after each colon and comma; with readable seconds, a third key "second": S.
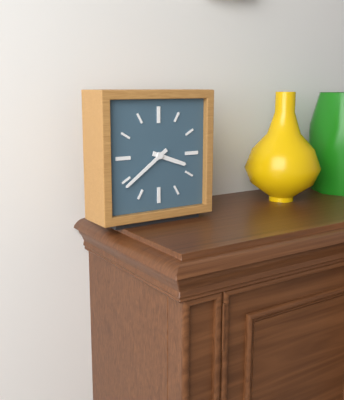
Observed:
{"hour": 3, "minute": 39}
